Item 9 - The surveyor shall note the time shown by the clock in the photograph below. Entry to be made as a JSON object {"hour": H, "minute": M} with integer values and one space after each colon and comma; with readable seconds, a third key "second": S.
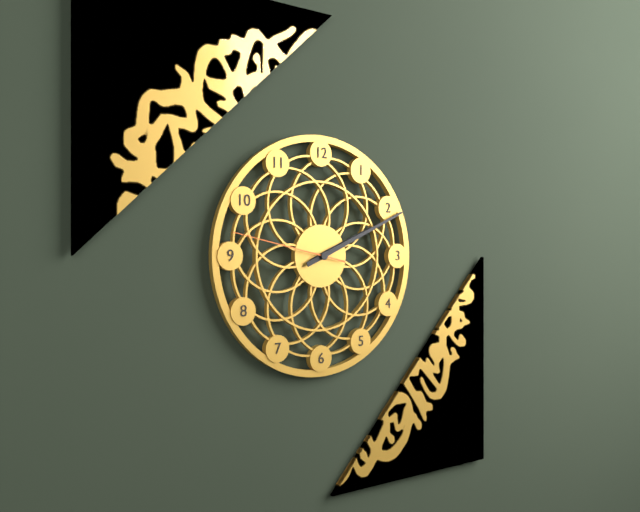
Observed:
{"hour": 2, "minute": 11, "second": 47}
